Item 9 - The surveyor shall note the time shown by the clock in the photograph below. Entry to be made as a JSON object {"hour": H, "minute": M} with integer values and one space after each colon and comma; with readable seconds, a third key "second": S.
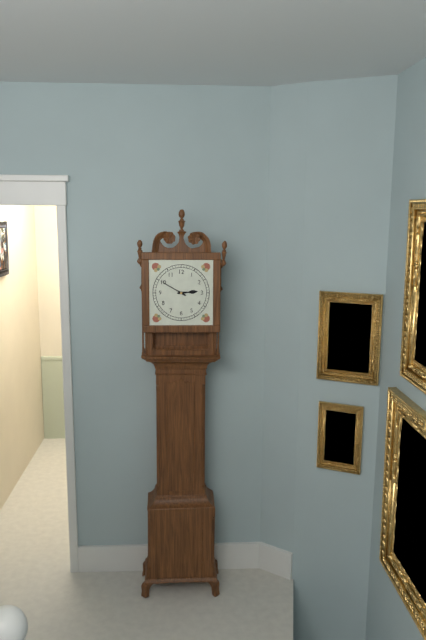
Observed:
{"hour": 2, "minute": 50}
